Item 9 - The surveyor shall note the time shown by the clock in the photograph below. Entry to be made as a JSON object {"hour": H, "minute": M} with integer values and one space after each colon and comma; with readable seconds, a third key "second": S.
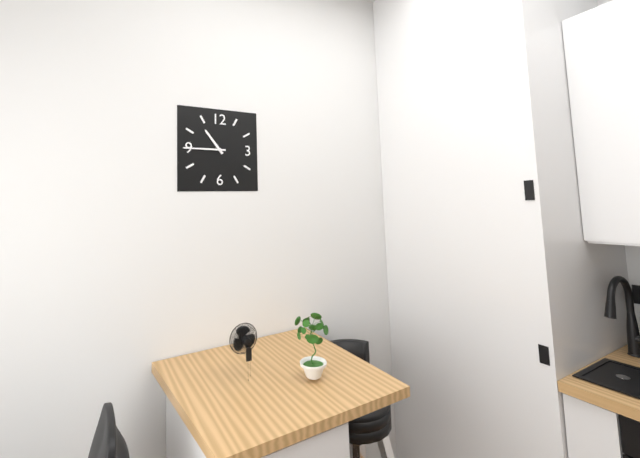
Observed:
{"hour": 10, "minute": 45}
